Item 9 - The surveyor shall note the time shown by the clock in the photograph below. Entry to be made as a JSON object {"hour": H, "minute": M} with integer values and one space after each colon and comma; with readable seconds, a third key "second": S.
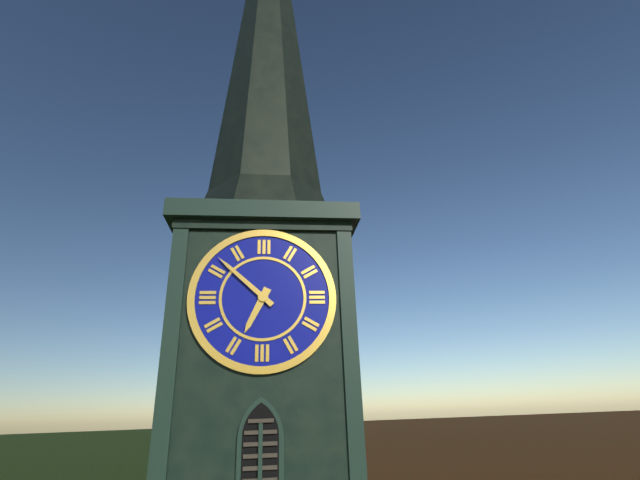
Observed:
{"hour": 6, "minute": 52}
